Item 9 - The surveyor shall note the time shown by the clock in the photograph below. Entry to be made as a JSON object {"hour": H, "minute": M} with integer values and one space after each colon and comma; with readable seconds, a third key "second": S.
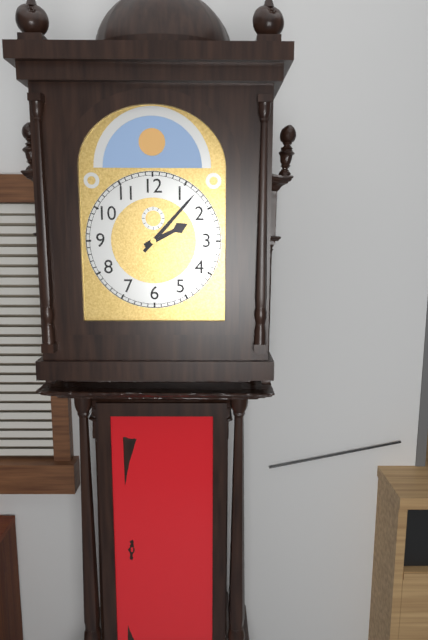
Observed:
{"hour": 2, "minute": 7}
